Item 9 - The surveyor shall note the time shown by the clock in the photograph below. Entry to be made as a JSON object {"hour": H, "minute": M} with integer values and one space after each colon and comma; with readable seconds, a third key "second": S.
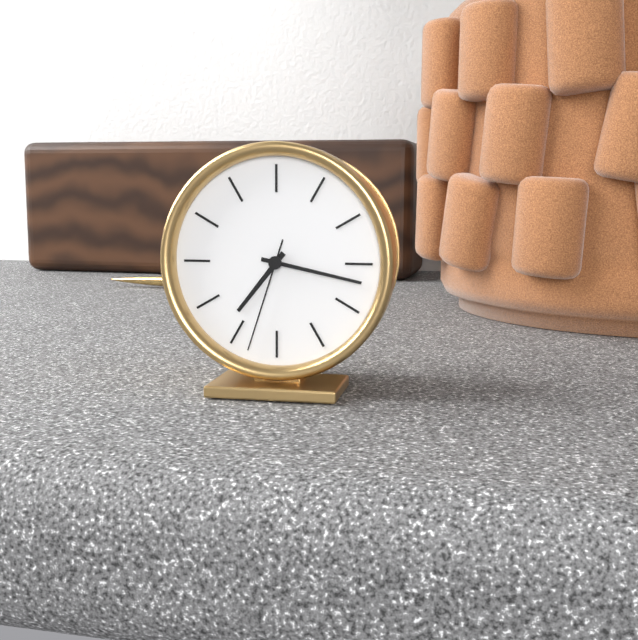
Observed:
{"hour": 7, "minute": 17, "second": 33}
